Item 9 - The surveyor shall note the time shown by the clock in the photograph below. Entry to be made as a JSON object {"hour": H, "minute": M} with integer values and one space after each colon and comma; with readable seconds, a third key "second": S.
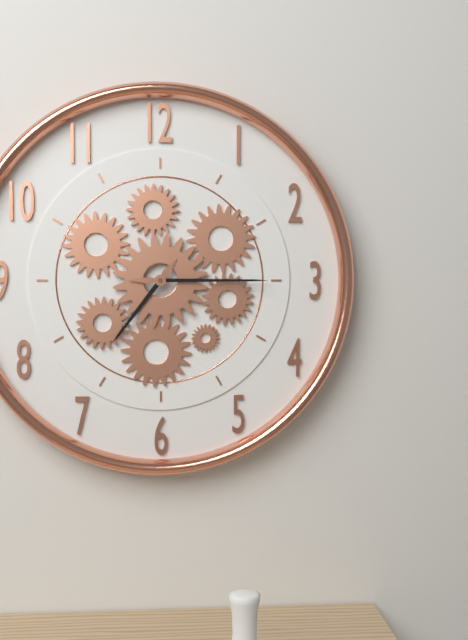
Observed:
{"hour": 7, "minute": 15}
